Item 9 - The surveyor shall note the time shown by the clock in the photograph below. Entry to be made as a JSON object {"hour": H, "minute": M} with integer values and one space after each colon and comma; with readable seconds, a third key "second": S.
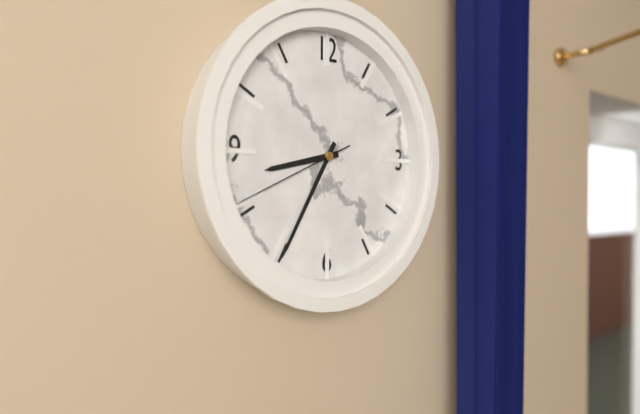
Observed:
{"hour": 8, "minute": 35, "second": 41}
